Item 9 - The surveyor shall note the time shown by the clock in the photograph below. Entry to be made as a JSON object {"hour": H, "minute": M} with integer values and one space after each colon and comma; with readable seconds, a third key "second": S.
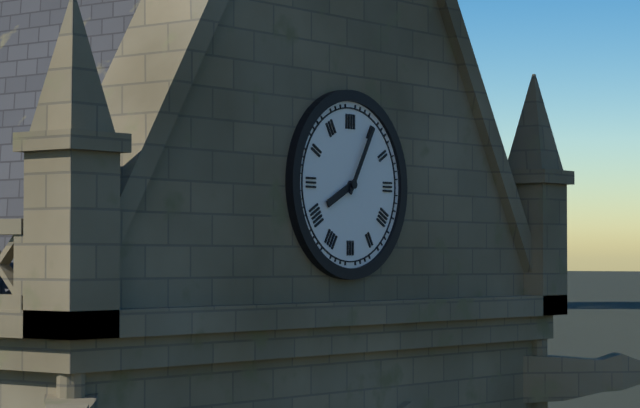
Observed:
{"hour": 8, "minute": 5}
